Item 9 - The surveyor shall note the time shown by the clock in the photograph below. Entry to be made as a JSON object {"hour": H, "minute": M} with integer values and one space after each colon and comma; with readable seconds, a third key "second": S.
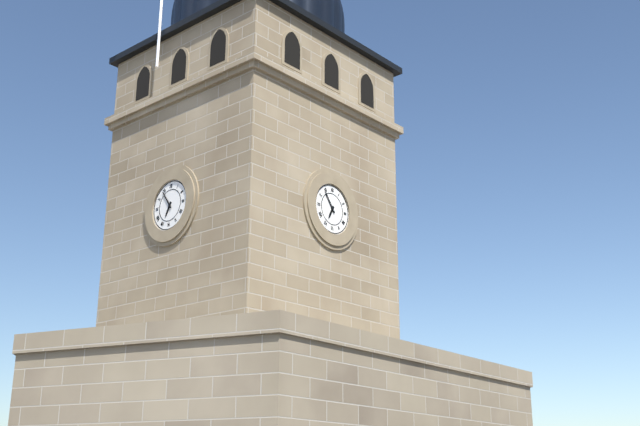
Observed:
{"hour": 6, "minute": 54}
